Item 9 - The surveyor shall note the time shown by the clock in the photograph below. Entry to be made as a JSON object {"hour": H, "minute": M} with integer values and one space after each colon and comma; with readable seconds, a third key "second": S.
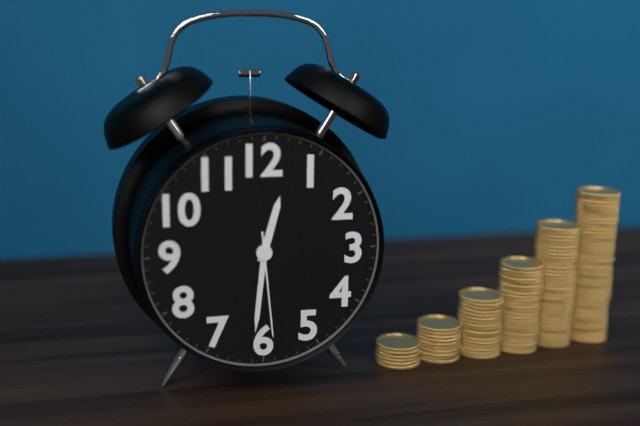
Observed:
{"hour": 12, "minute": 31, "second": 29}
